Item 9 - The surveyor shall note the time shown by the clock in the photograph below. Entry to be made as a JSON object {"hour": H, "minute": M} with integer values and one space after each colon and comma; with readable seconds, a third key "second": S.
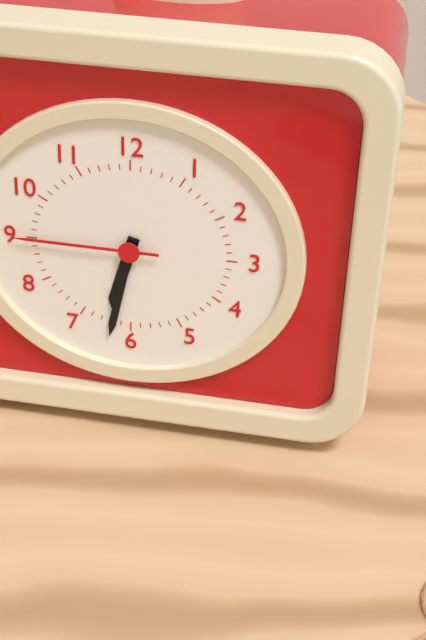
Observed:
{"hour": 6, "minute": 32, "second": 45}
